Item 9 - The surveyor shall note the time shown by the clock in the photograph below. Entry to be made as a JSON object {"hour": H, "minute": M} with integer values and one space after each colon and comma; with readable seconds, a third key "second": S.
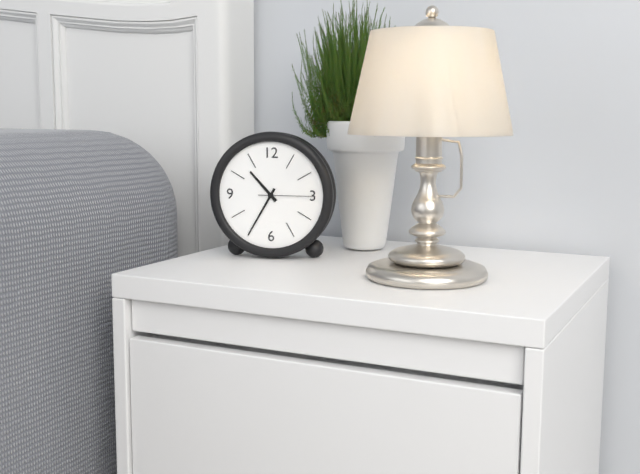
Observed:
{"hour": 10, "minute": 35, "second": 15}
